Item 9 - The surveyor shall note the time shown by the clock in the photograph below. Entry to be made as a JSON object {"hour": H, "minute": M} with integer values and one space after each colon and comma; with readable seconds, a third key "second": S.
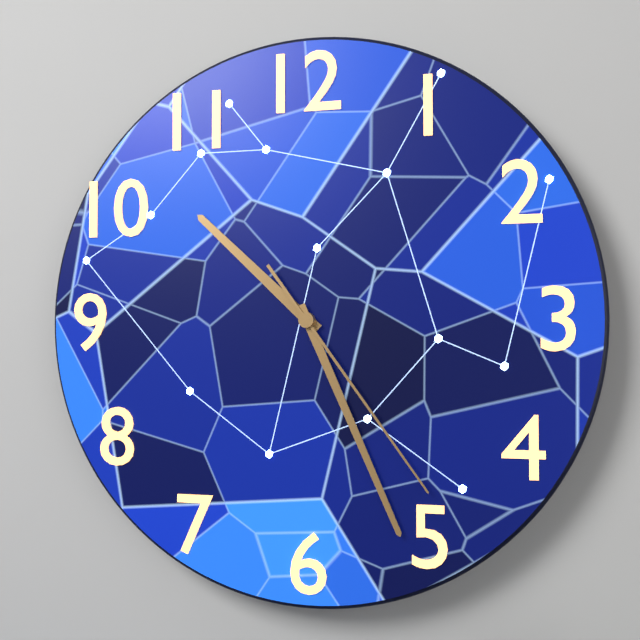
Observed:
{"hour": 10, "minute": 26, "second": 24}
